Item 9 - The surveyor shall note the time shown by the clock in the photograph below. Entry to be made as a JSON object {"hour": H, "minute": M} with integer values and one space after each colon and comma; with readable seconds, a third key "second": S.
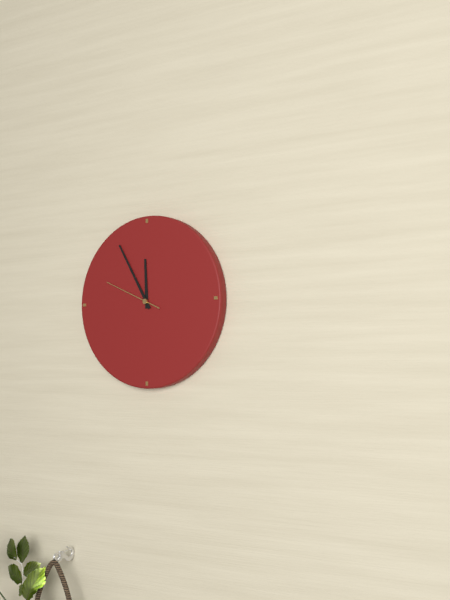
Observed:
{"hour": 11, "minute": 55, "second": 49}
